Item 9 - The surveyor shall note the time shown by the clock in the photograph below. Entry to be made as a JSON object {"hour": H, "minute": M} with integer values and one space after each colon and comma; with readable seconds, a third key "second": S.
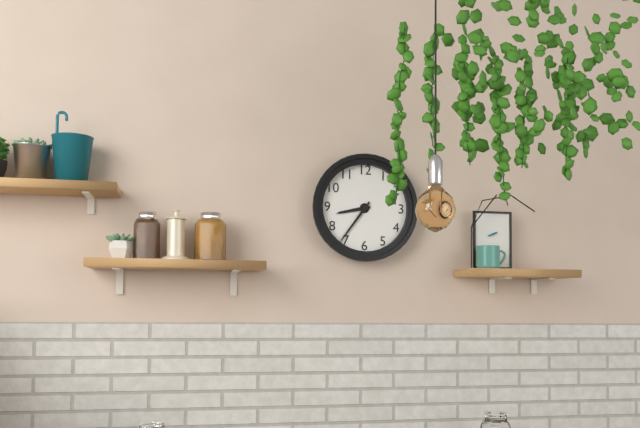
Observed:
{"hour": 8, "minute": 36}
